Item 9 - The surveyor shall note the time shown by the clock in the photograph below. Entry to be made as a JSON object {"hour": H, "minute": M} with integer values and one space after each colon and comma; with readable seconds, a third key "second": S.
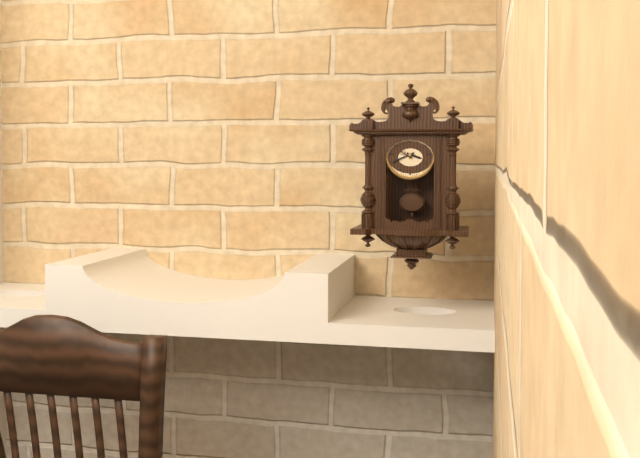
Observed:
{"hour": 3, "minute": 41}
